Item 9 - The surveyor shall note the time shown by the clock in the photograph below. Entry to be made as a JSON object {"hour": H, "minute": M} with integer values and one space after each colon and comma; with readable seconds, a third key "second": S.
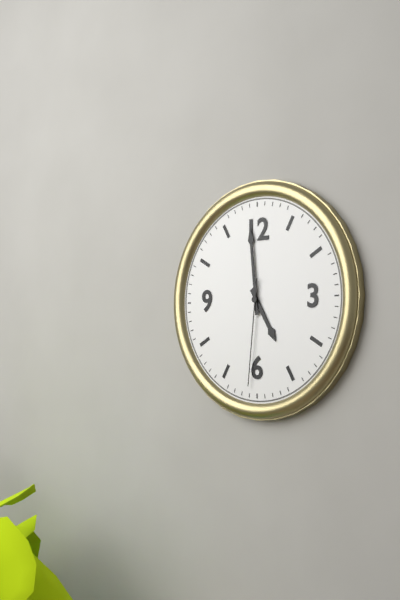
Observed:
{"hour": 4, "minute": 59, "second": 31}
